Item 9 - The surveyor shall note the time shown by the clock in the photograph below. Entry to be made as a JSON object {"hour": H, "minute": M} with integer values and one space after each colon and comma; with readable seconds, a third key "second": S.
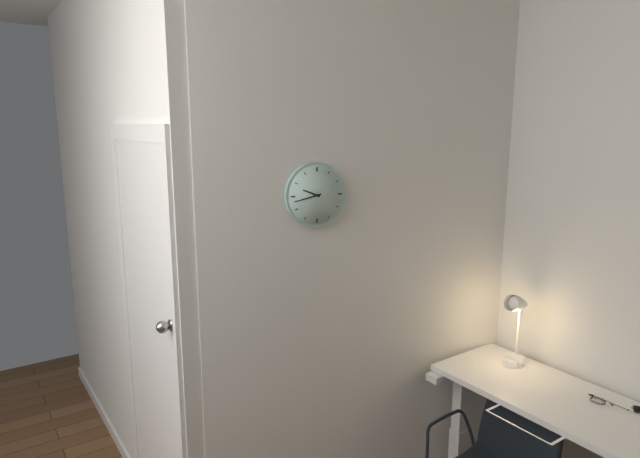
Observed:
{"hour": 9, "minute": 43}
